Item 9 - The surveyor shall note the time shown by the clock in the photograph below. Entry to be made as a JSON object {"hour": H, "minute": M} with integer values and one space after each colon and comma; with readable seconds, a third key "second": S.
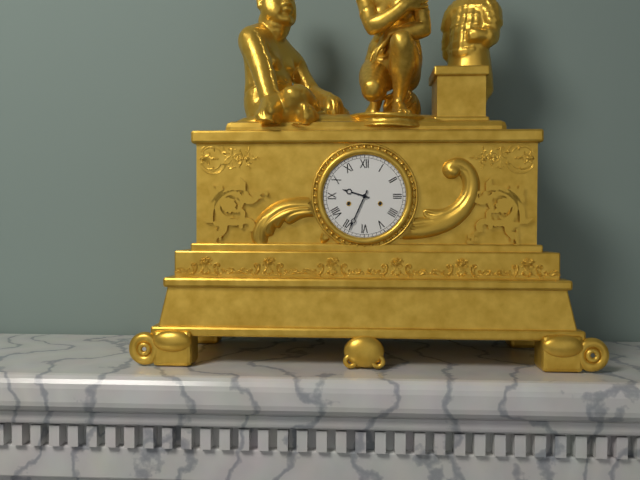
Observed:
{"hour": 9, "minute": 34}
